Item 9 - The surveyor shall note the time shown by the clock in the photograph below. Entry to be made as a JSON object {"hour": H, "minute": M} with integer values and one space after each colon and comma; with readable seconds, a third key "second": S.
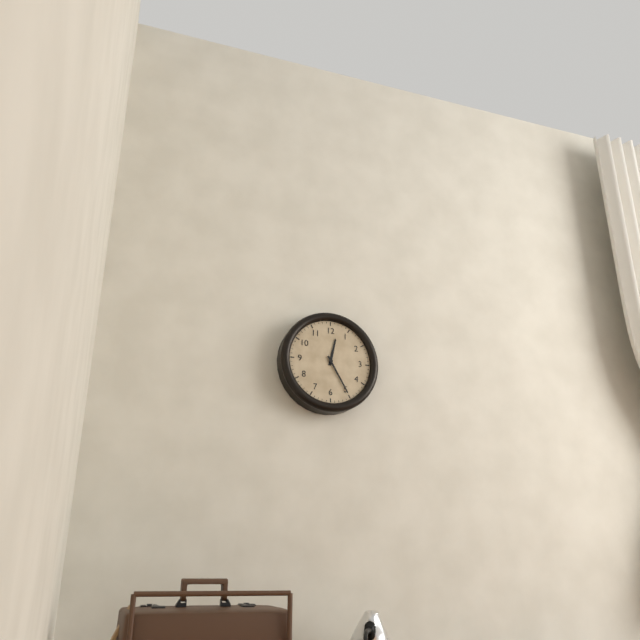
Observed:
{"hour": 12, "minute": 25}
